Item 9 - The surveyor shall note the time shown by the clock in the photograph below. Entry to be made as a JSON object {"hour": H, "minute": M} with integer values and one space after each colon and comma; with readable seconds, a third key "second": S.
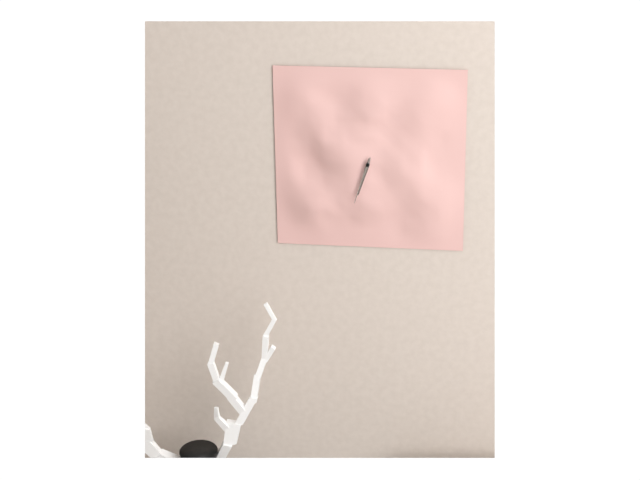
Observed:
{"hour": 6, "minute": 33}
